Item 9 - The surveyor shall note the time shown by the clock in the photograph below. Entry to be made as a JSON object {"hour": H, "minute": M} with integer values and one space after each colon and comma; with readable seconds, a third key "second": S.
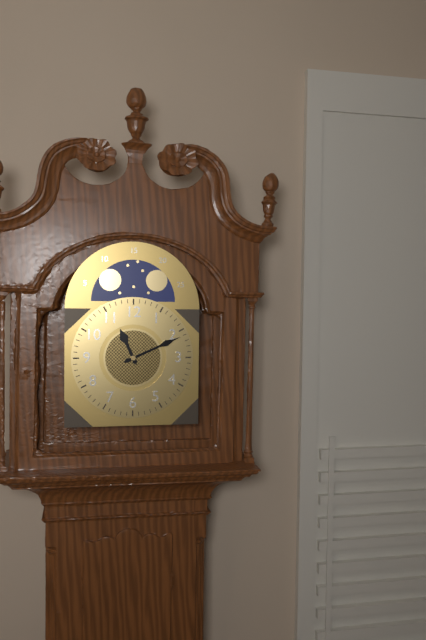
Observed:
{"hour": 11, "minute": 11}
